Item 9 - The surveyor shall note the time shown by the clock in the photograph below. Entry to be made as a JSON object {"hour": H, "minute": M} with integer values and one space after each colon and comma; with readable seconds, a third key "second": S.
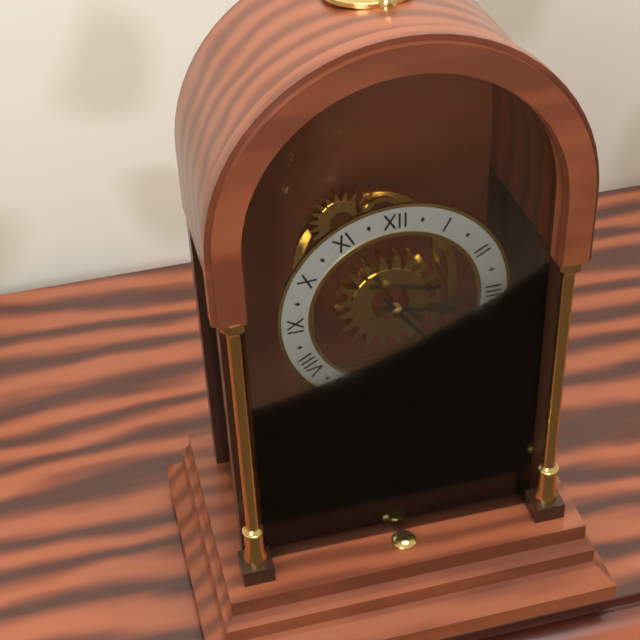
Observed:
{"hour": 3, "minute": 24}
